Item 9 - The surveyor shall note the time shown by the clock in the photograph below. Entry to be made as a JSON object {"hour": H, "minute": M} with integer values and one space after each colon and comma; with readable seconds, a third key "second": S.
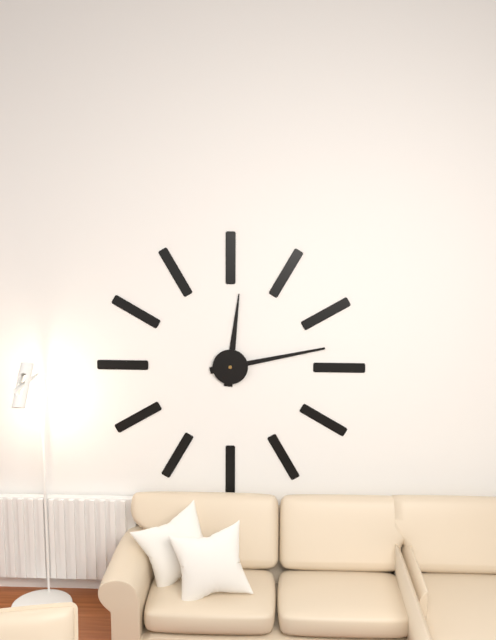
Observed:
{"hour": 12, "minute": 13}
